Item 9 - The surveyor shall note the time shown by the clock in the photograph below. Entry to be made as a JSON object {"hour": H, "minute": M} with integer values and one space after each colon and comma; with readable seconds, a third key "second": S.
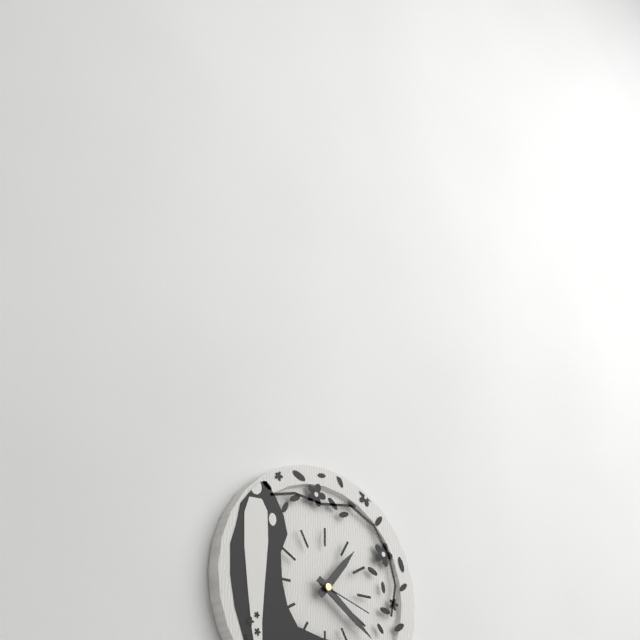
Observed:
{"hour": 1, "minute": 21, "second": 18}
